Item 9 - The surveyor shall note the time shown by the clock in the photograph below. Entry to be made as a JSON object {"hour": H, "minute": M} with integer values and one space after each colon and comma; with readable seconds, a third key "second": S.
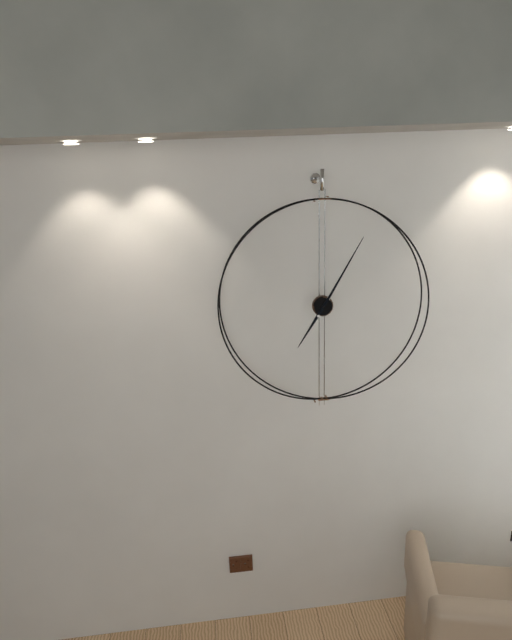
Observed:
{"hour": 7, "minute": 5}
